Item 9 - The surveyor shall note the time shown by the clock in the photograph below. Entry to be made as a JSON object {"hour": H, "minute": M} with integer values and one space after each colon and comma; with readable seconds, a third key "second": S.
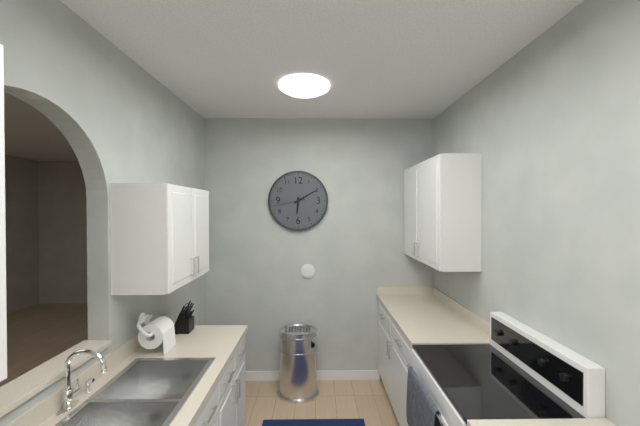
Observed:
{"hour": 6, "minute": 10}
